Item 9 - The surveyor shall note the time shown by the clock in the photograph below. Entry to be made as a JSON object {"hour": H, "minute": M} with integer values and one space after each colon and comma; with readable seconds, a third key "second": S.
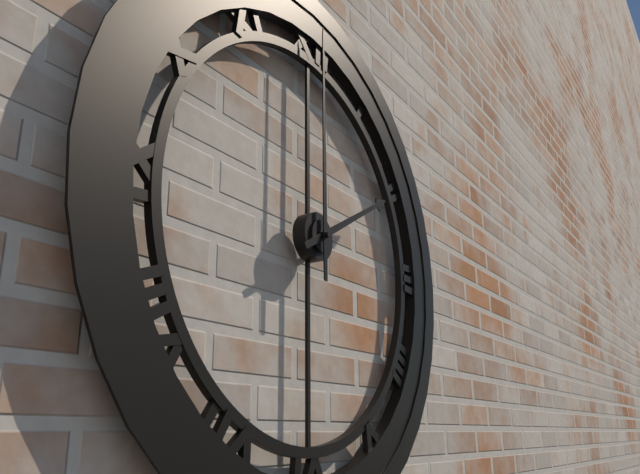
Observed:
{"hour": 2, "minute": 0}
